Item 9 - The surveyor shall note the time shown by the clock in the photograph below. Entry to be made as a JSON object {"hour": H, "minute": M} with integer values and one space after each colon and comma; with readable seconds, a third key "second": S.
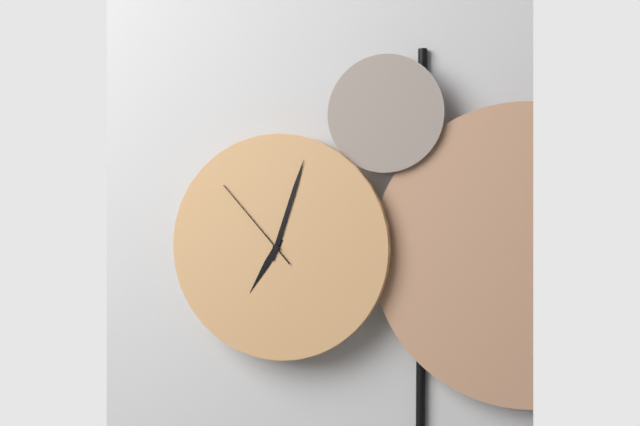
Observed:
{"hour": 7, "minute": 3, "second": 53}
